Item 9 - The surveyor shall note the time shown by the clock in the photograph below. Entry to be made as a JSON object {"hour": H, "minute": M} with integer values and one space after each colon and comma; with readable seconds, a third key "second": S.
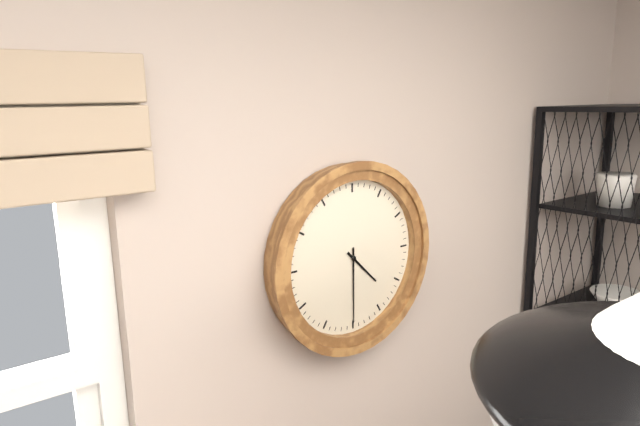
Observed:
{"hour": 4, "minute": 30}
